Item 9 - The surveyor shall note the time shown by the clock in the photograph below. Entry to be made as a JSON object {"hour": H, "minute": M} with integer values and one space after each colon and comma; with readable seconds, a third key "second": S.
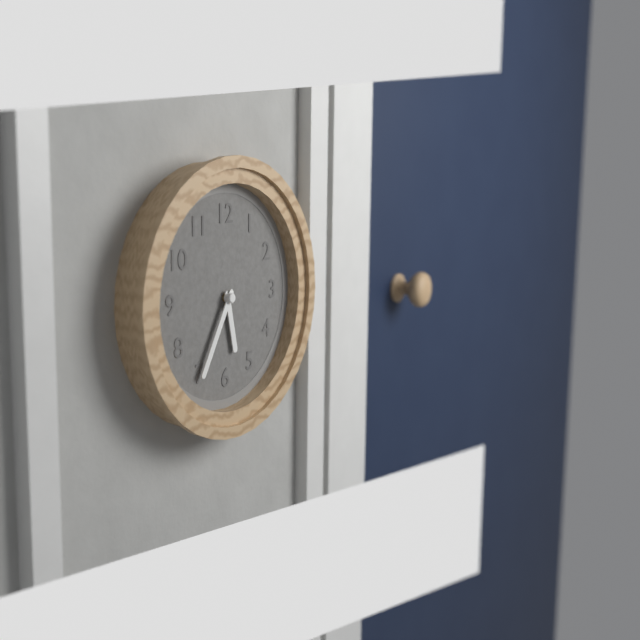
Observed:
{"hour": 5, "minute": 35}
